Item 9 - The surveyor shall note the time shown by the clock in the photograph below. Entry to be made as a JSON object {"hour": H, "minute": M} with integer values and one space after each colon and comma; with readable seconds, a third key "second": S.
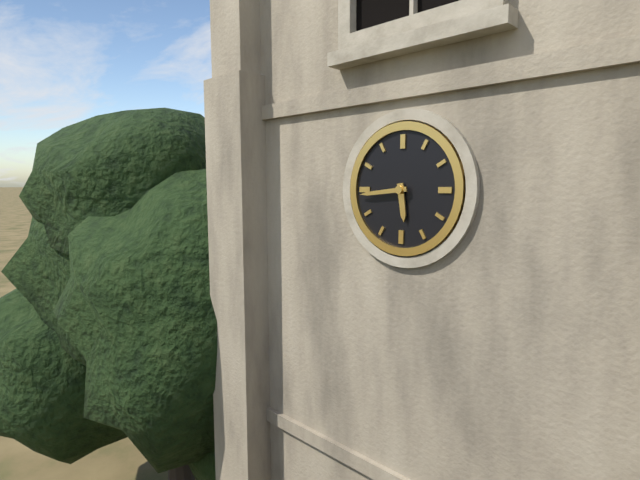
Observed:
{"hour": 5, "minute": 44}
